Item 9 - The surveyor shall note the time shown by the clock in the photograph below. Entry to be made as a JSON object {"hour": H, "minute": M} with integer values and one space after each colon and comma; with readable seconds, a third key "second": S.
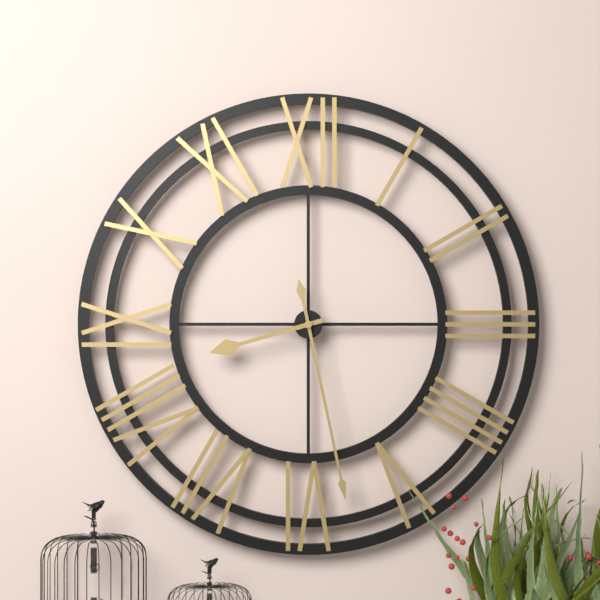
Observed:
{"hour": 8, "minute": 28}
